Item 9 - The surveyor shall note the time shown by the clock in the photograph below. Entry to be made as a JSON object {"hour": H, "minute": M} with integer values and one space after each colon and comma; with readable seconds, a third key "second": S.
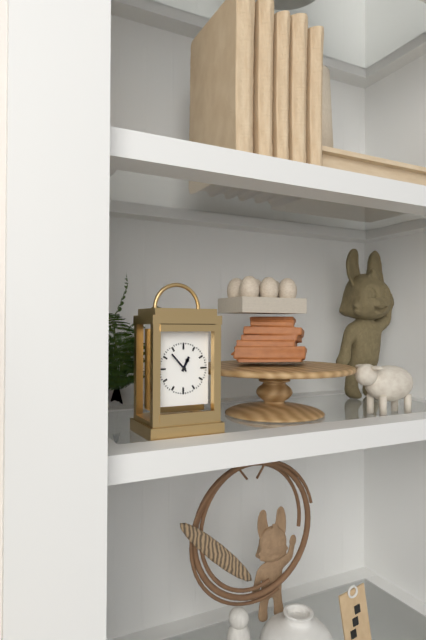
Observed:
{"hour": 12, "minute": 53}
